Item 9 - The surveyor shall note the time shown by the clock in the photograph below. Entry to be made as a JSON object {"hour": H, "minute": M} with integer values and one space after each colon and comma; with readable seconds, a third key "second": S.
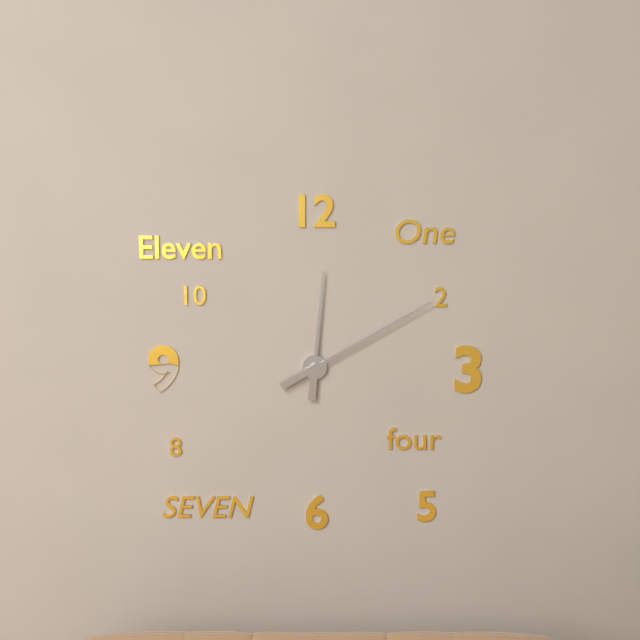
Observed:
{"hour": 12, "minute": 10}
